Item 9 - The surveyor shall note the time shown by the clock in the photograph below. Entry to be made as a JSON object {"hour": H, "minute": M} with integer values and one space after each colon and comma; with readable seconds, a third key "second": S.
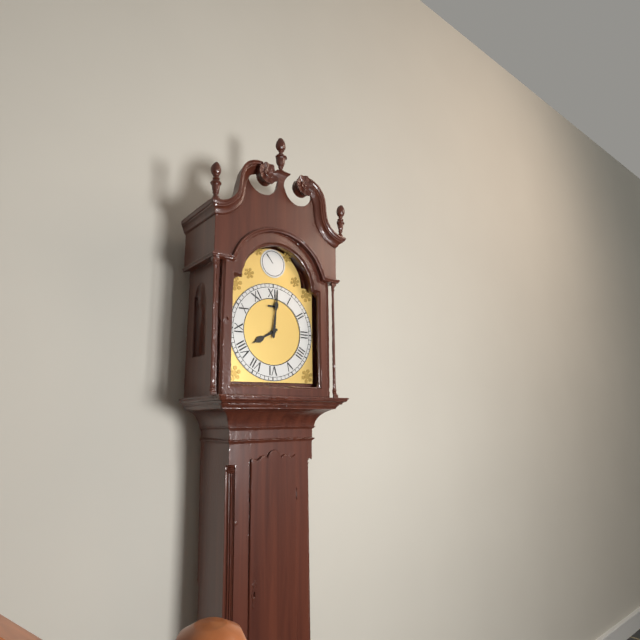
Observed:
{"hour": 8, "minute": 1}
